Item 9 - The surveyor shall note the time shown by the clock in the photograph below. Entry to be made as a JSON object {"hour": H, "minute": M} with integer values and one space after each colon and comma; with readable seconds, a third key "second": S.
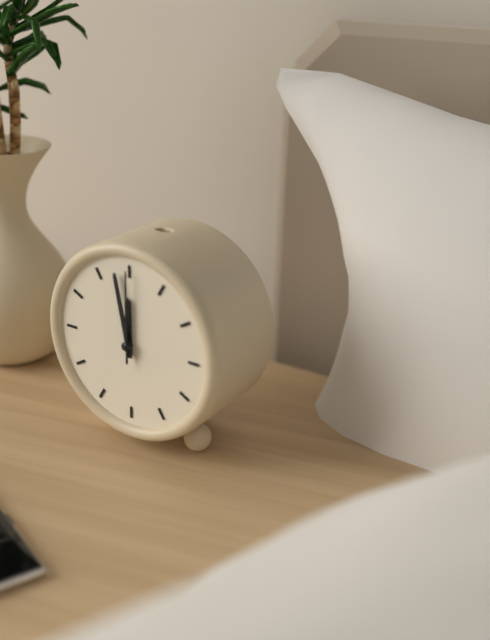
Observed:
{"hour": 11, "minute": 58, "second": 0}
